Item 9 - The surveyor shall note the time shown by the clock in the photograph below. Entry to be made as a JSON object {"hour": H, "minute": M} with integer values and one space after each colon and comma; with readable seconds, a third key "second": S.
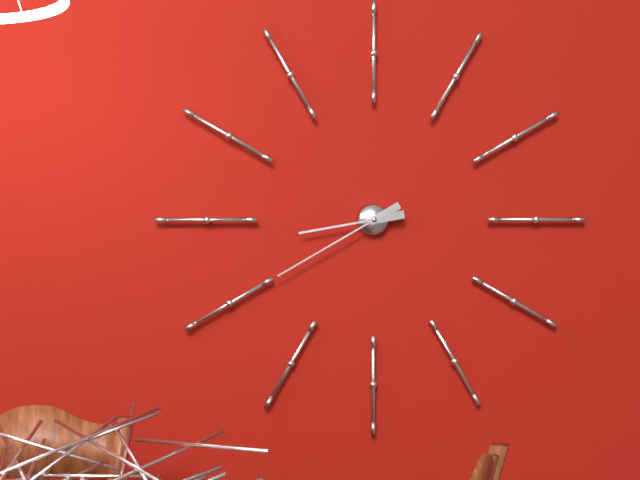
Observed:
{"hour": 8, "minute": 40}
